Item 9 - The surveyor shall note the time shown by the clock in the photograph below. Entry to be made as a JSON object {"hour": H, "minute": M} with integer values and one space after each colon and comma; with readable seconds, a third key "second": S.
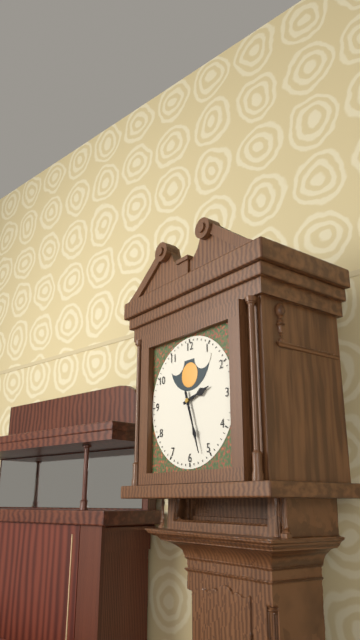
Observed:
{"hour": 2, "minute": 27}
